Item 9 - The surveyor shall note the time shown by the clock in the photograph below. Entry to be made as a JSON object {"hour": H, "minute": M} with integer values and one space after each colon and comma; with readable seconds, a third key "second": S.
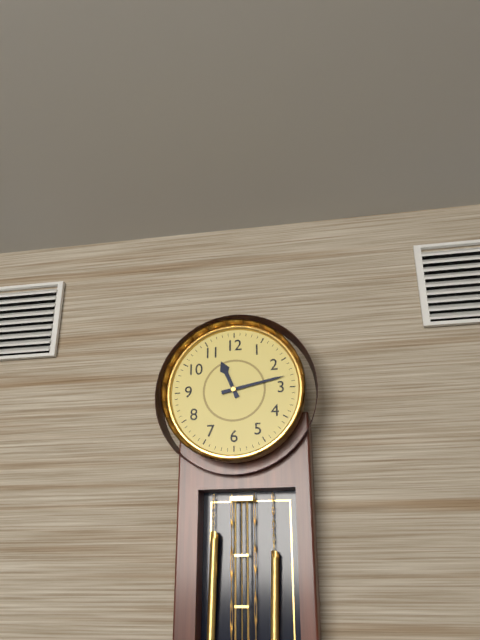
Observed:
{"hour": 11, "minute": 13}
